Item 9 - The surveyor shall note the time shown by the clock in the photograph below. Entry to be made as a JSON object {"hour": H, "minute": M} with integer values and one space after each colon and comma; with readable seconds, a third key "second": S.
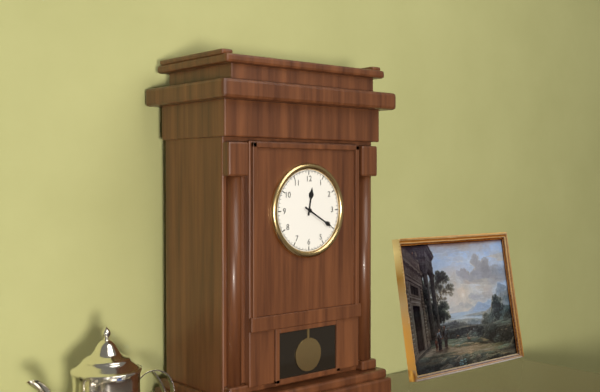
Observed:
{"hour": 12, "minute": 20}
